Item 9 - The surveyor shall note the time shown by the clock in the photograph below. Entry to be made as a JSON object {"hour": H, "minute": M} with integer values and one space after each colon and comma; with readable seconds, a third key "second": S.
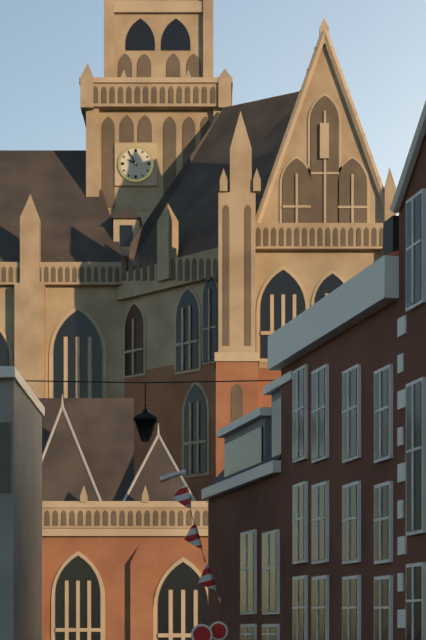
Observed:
{"hour": 9, "minute": 55}
